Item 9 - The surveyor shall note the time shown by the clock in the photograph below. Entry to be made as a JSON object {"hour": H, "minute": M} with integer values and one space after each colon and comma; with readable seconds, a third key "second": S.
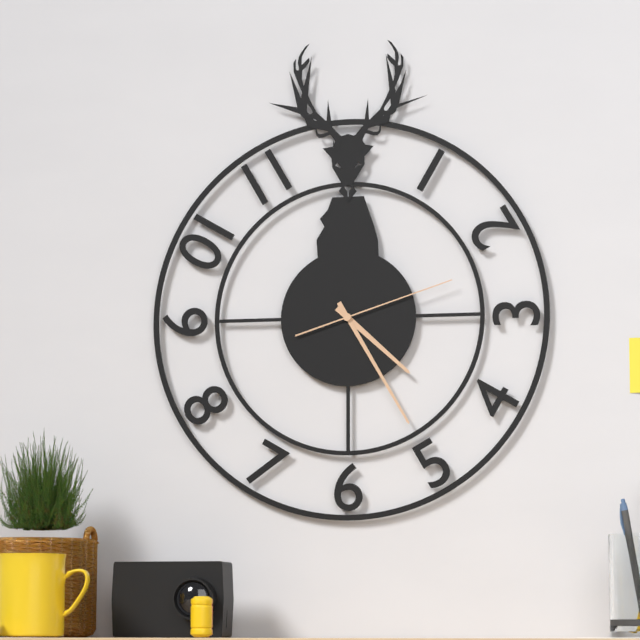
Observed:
{"hour": 4, "minute": 25, "second": 12}
